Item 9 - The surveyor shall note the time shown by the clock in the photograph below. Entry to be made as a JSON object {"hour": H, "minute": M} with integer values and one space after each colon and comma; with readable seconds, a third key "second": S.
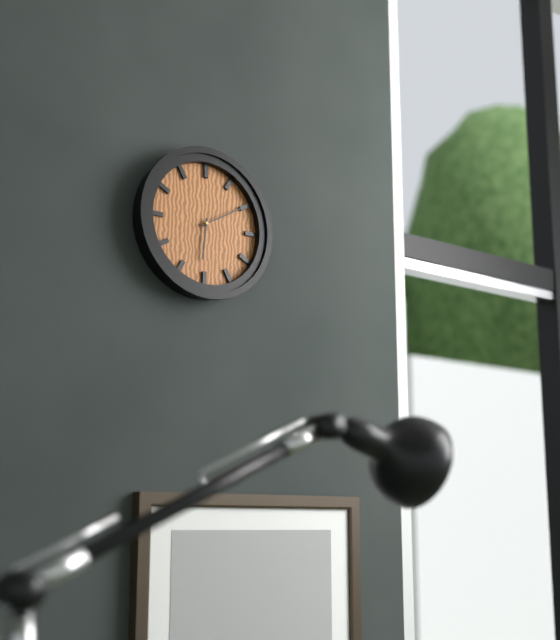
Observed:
{"hour": 6, "minute": 10}
